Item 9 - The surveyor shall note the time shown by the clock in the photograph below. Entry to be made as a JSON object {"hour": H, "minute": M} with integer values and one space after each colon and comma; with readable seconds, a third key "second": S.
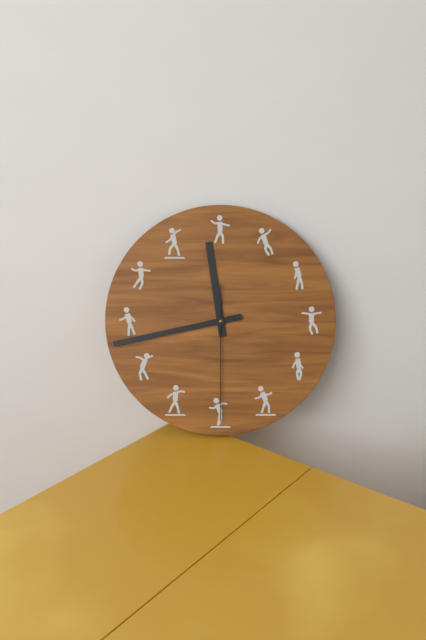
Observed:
{"hour": 11, "minute": 43, "second": 30}
